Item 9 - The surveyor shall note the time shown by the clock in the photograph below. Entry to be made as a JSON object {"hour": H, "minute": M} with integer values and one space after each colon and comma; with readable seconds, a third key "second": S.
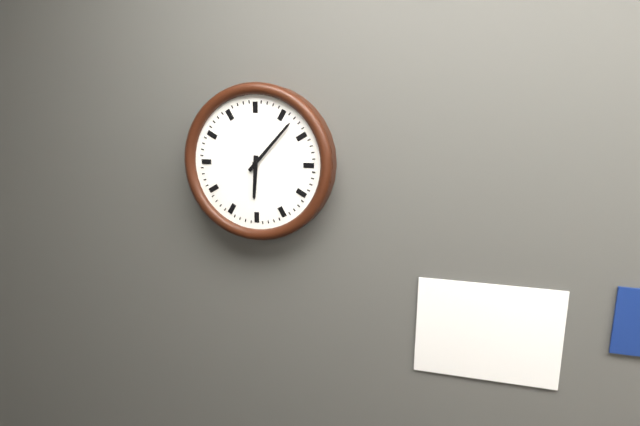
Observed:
{"hour": 6, "minute": 7}
